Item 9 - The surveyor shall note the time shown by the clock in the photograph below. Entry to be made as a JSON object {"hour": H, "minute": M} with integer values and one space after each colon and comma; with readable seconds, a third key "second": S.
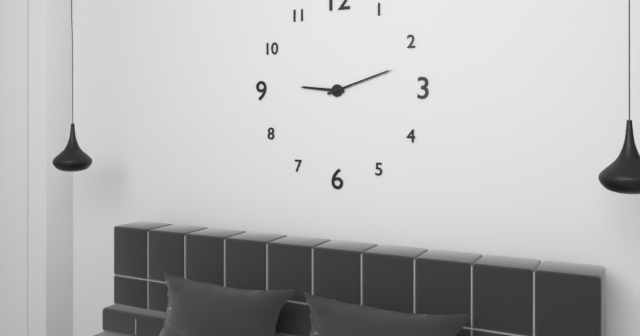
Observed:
{"hour": 9, "minute": 12}
